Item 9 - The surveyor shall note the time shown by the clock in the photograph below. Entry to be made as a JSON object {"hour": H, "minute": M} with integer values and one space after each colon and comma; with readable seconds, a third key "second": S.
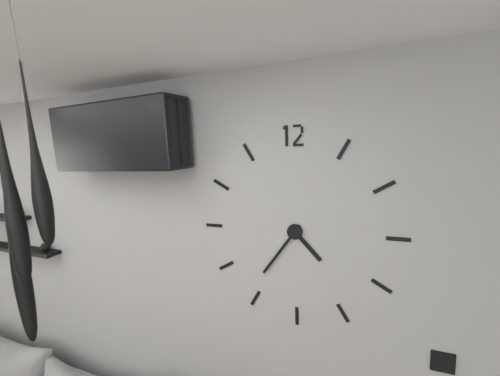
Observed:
{"hour": 4, "minute": 36}
